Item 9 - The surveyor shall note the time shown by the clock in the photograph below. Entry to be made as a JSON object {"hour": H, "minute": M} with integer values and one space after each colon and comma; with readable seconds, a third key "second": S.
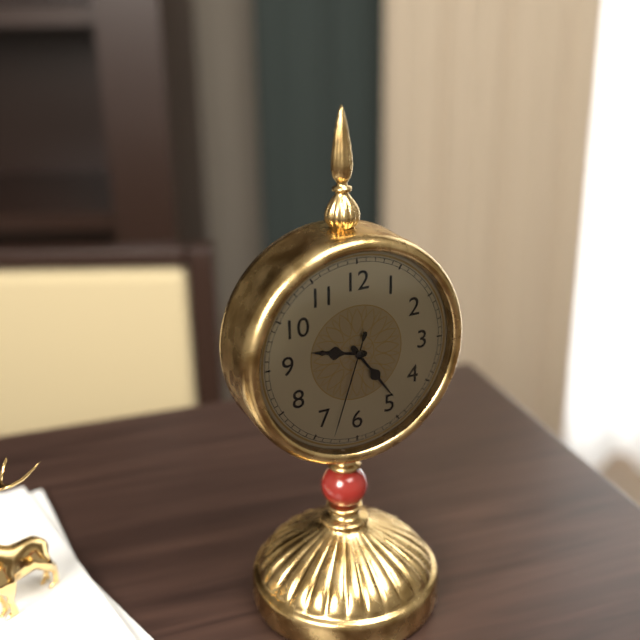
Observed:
{"hour": 9, "minute": 24, "second": 33}
